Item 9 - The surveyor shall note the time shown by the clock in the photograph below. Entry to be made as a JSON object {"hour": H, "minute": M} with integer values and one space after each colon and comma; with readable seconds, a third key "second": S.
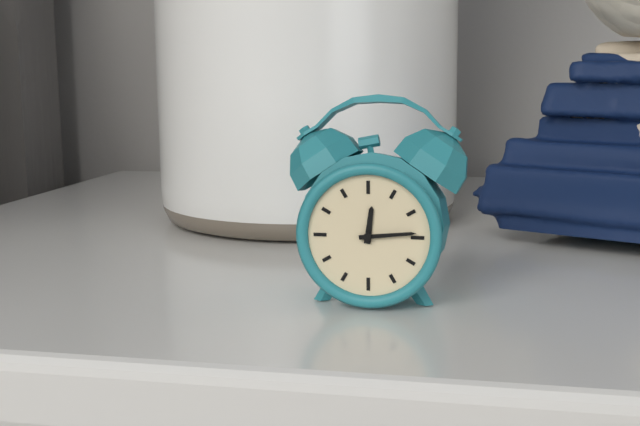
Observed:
{"hour": 12, "minute": 14}
